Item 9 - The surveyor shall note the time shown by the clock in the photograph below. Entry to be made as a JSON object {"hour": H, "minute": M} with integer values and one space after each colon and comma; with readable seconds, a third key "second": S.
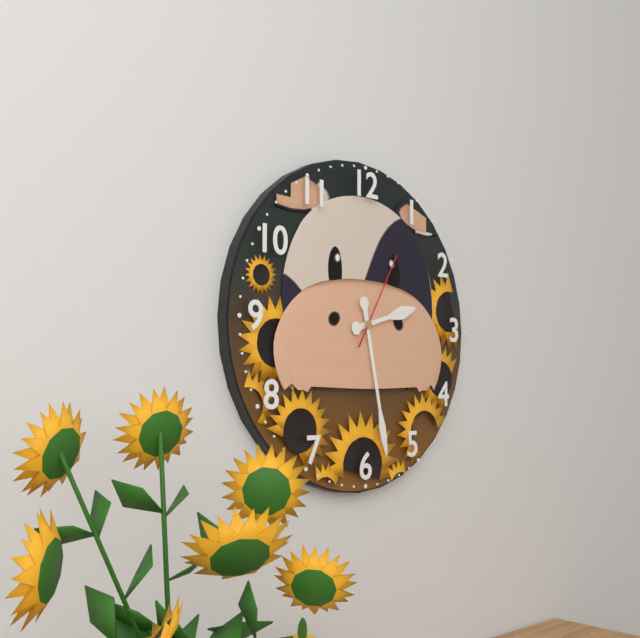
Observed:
{"hour": 2, "minute": 28, "second": 5}
